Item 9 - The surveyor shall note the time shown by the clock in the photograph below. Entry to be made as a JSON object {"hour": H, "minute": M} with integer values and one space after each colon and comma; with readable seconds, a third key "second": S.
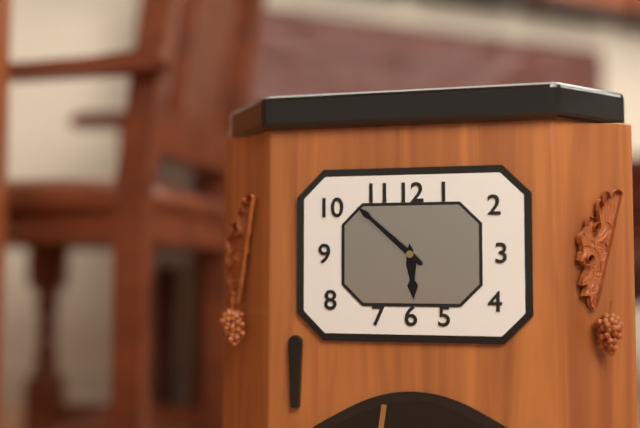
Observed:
{"hour": 5, "minute": 52}
